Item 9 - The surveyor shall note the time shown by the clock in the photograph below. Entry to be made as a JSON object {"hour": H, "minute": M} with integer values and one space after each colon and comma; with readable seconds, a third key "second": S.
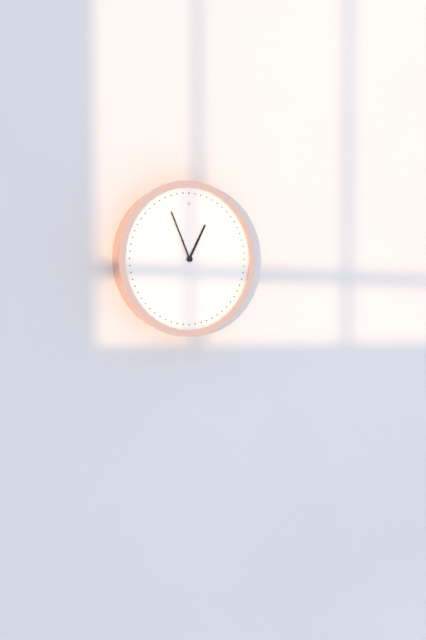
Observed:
{"hour": 12, "minute": 56}
